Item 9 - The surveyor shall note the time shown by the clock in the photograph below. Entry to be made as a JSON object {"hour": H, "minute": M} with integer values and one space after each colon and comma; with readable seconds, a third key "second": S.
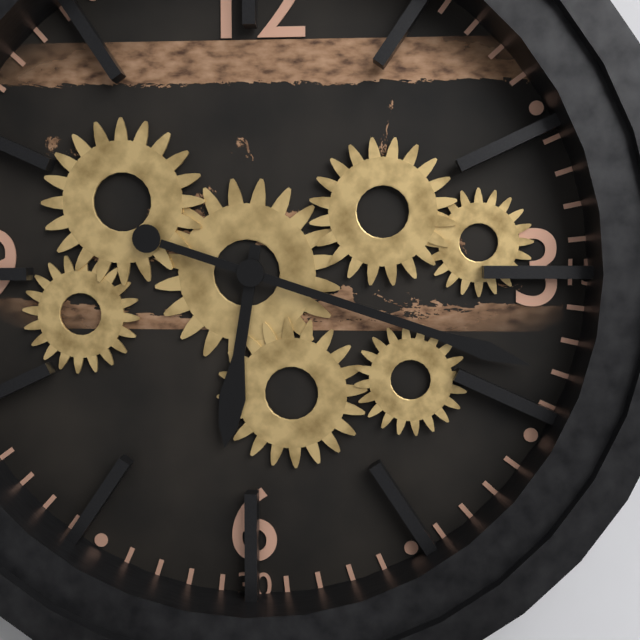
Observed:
{"hour": 6, "minute": 18}
